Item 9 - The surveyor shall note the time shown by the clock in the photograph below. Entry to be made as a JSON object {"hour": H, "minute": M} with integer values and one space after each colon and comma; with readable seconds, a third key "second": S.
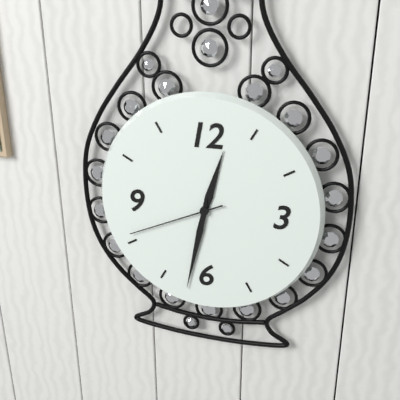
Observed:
{"hour": 12, "minute": 32, "second": 41}
